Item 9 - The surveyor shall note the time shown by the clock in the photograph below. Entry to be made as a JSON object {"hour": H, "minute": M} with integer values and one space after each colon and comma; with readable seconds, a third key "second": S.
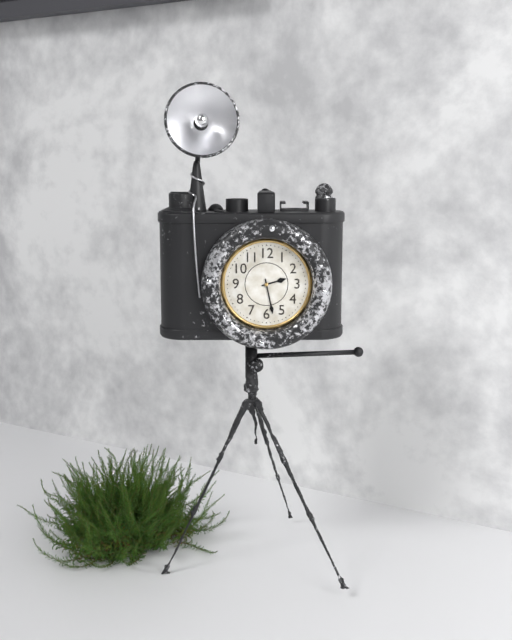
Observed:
{"hour": 2, "minute": 28}
